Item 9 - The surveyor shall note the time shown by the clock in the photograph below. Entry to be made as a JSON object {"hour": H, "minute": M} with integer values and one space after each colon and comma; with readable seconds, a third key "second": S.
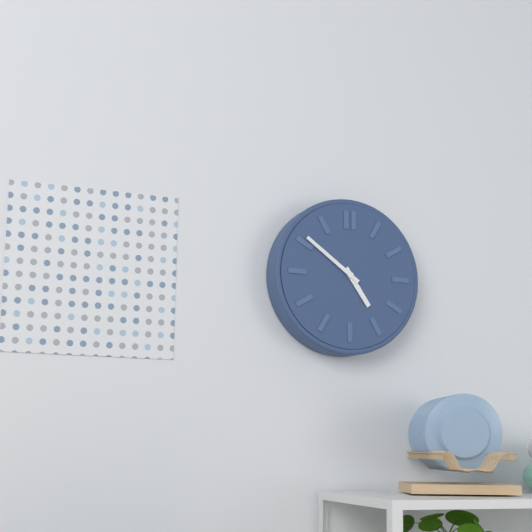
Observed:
{"hour": 4, "minute": 51}
